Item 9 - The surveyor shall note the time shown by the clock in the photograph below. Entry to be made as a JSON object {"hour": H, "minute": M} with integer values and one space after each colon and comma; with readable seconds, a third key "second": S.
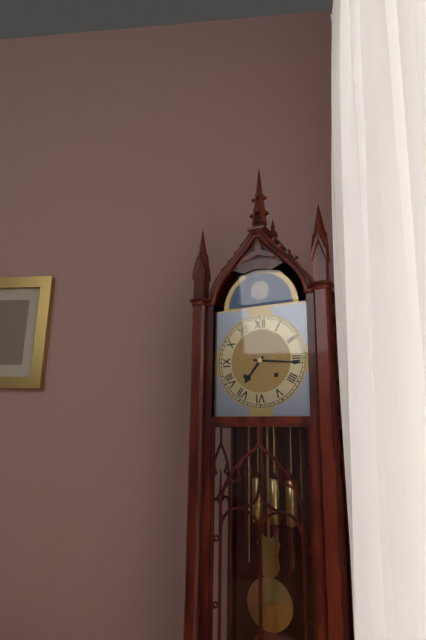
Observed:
{"hour": 7, "minute": 16}
